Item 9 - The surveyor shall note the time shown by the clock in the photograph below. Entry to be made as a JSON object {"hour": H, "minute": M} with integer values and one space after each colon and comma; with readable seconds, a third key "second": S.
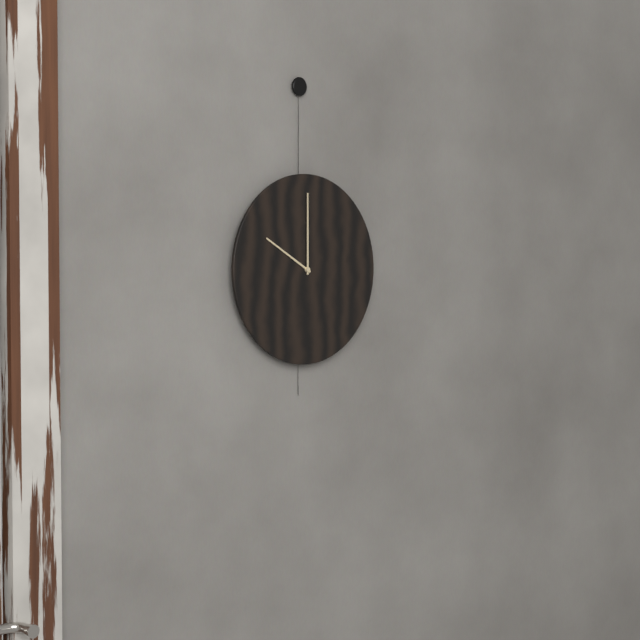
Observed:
{"hour": 10, "minute": 0}
